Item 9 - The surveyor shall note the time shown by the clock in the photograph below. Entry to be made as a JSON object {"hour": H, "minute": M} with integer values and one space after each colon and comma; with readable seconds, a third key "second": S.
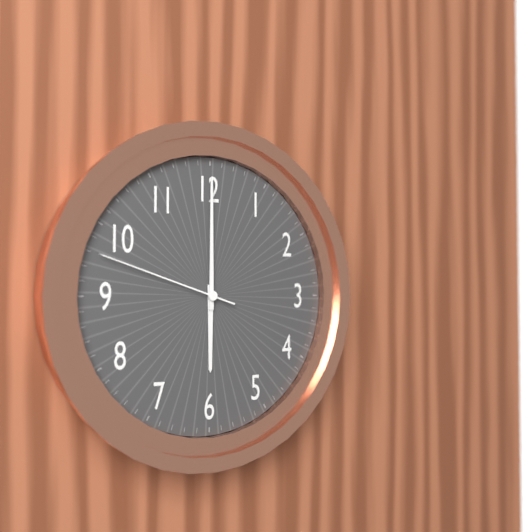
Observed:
{"hour": 6, "minute": 0, "second": 48}
